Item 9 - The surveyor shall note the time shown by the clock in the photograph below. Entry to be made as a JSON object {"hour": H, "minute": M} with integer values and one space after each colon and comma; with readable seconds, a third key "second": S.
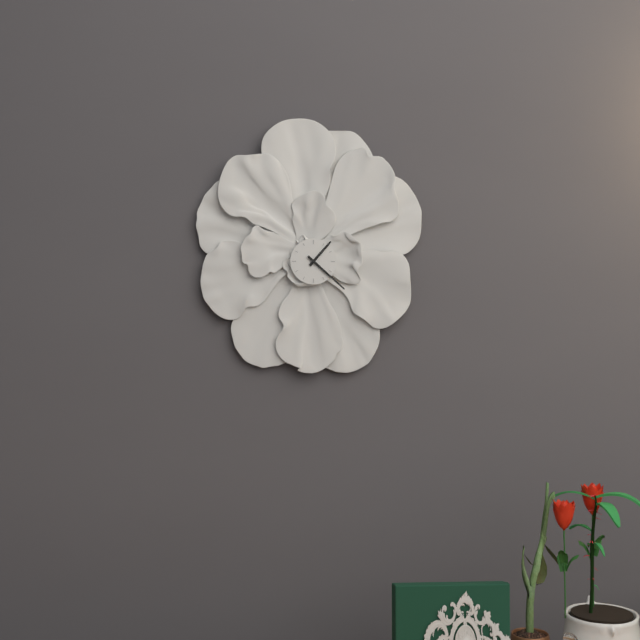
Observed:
{"hour": 1, "minute": 22}
